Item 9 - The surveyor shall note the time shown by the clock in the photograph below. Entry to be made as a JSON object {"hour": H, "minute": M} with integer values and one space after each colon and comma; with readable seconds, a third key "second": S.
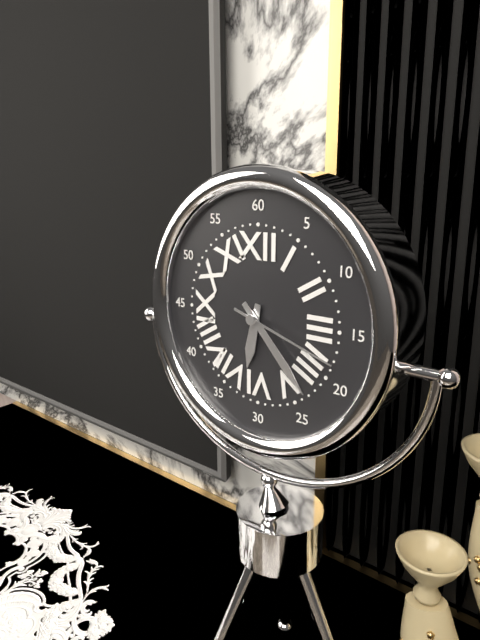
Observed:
{"hour": 6, "minute": 23, "second": 18}
